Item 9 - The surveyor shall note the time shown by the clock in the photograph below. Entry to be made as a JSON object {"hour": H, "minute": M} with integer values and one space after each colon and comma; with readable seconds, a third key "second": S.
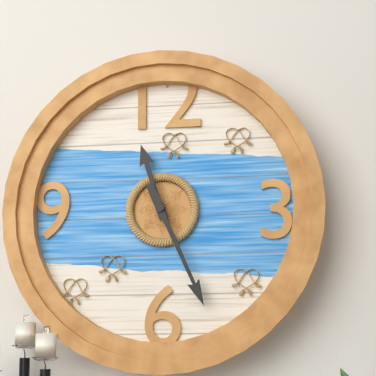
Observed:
{"hour": 11, "minute": 26}
